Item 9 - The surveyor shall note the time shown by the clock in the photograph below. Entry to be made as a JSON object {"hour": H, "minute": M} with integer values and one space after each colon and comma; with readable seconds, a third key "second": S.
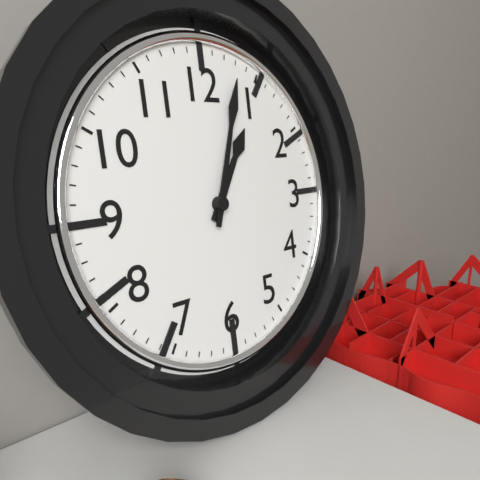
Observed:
{"hour": 1, "minute": 3}
